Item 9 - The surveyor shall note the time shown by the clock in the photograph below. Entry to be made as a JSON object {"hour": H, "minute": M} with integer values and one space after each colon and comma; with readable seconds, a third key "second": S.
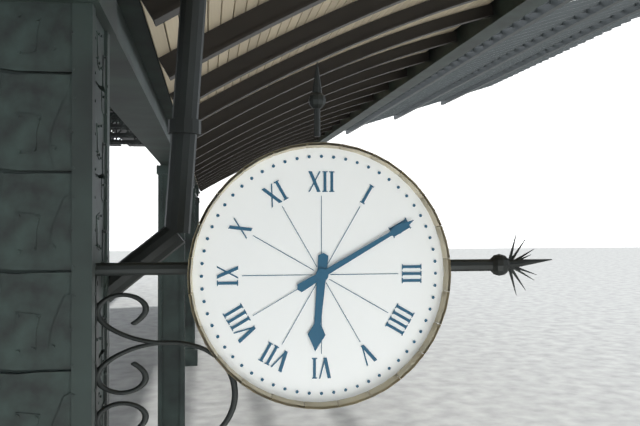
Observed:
{"hour": 6, "minute": 10}
